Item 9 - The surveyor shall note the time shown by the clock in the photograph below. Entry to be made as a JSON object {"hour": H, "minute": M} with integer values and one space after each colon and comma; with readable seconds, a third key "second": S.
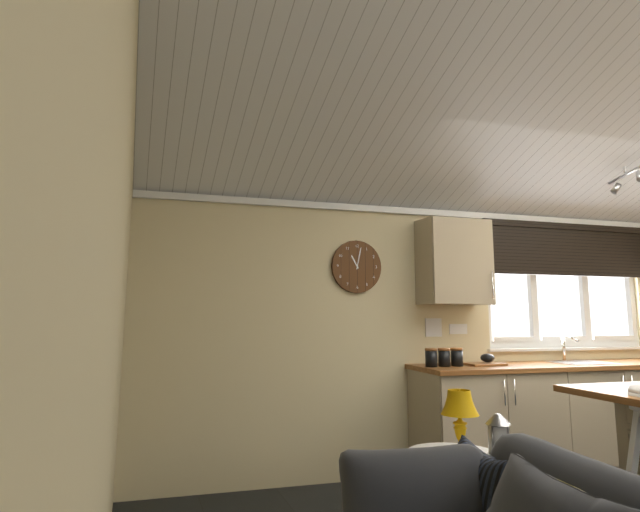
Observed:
{"hour": 11, "minute": 2}
